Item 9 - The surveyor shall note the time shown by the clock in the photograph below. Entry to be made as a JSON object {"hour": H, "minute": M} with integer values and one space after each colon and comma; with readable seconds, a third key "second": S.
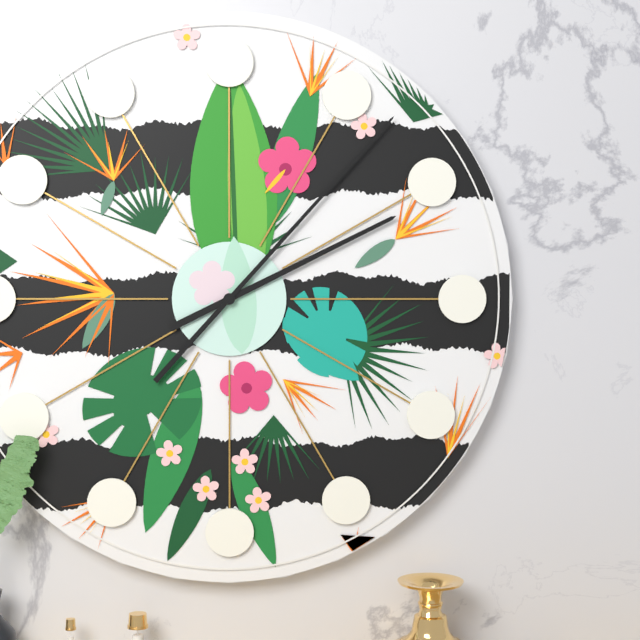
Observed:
{"hour": 2, "minute": 7}
